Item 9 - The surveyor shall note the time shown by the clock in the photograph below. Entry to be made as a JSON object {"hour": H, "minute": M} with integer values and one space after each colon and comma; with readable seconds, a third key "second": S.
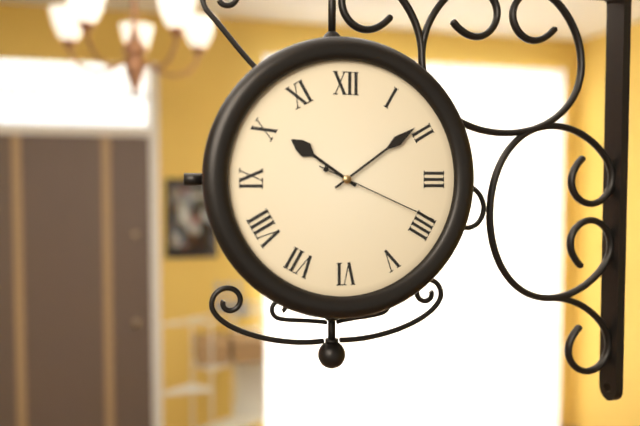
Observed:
{"hour": 10, "minute": 9, "second": 19}
